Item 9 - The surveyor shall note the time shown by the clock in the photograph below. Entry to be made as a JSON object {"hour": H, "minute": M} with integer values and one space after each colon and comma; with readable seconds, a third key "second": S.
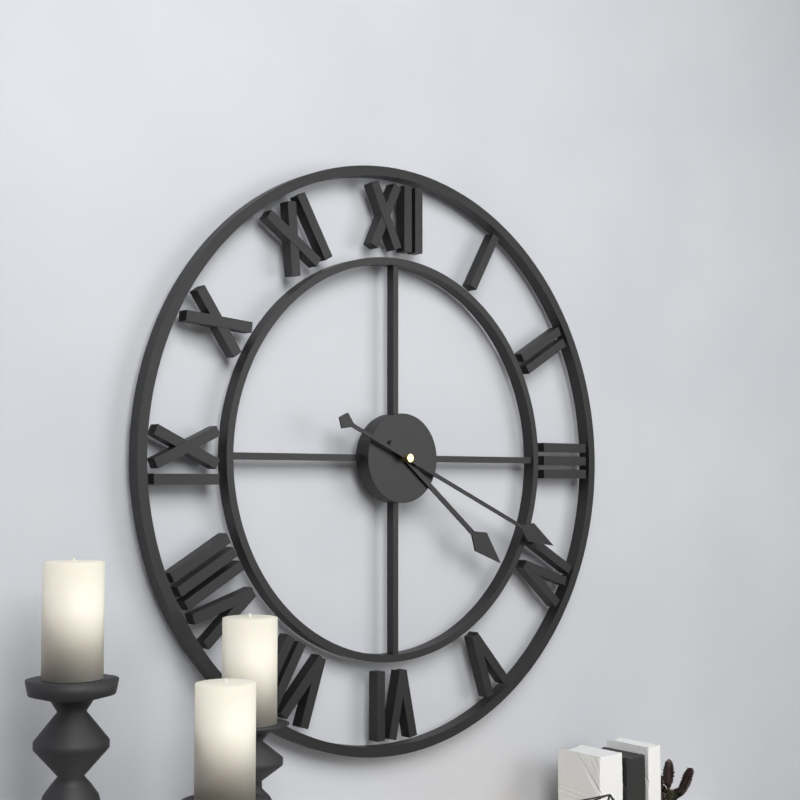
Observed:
{"hour": 4, "minute": 19}
